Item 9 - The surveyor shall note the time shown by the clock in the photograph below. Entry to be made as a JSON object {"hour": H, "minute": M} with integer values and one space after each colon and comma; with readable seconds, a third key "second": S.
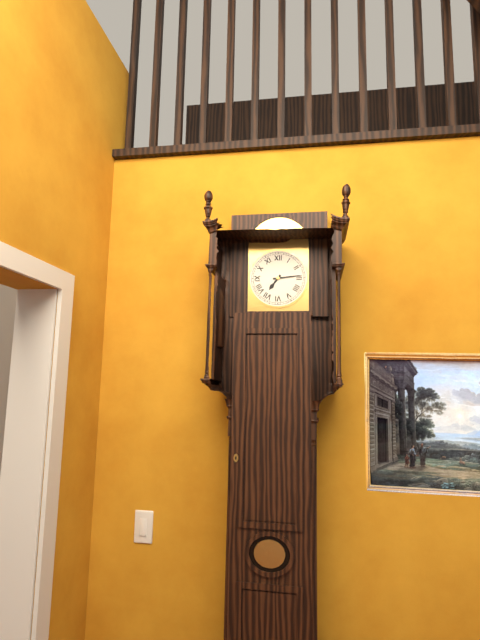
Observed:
{"hour": 7, "minute": 14}
